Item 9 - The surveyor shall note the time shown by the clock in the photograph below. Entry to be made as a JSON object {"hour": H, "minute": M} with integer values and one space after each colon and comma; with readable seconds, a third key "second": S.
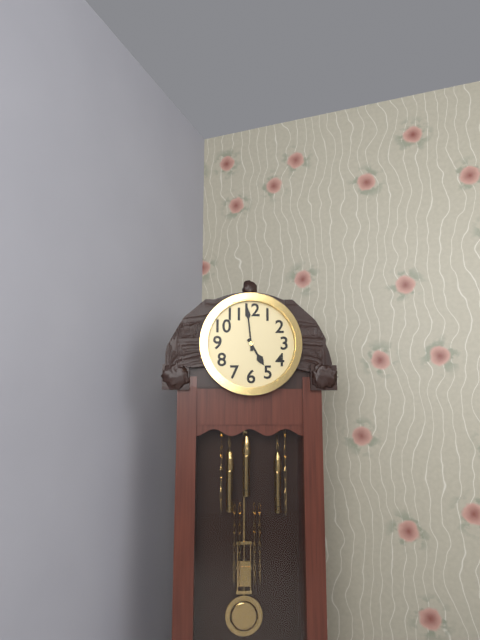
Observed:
{"hour": 4, "minute": 59}
